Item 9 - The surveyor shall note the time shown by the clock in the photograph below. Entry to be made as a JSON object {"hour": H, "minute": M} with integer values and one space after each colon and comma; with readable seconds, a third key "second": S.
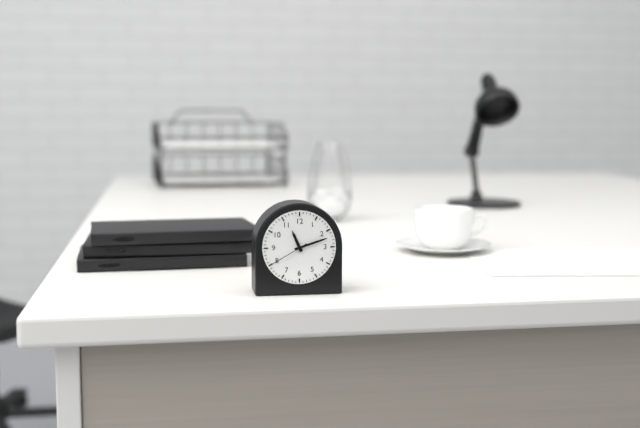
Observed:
{"hour": 11, "minute": 12}
